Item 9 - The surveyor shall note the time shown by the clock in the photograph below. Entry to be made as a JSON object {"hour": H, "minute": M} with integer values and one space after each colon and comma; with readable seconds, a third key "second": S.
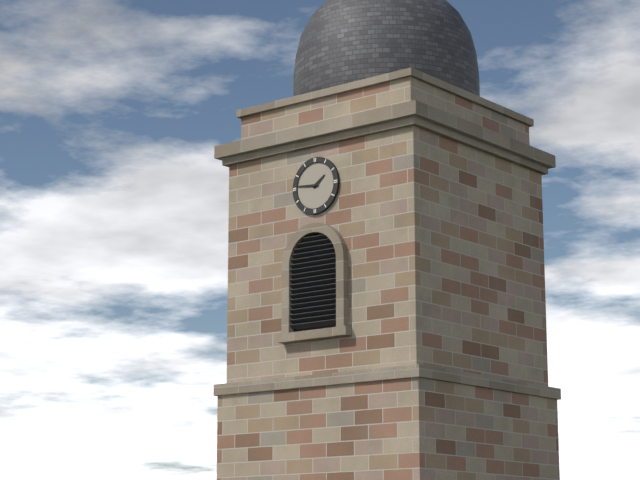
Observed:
{"hour": 1, "minute": 46}
